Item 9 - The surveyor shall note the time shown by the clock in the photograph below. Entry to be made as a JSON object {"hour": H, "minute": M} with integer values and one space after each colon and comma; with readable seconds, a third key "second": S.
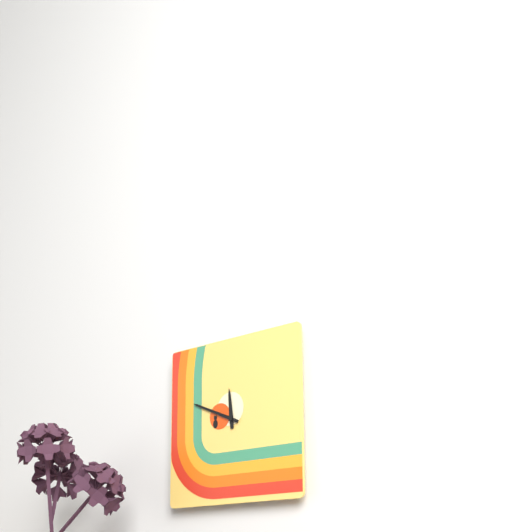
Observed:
{"hour": 11, "minute": 49}
